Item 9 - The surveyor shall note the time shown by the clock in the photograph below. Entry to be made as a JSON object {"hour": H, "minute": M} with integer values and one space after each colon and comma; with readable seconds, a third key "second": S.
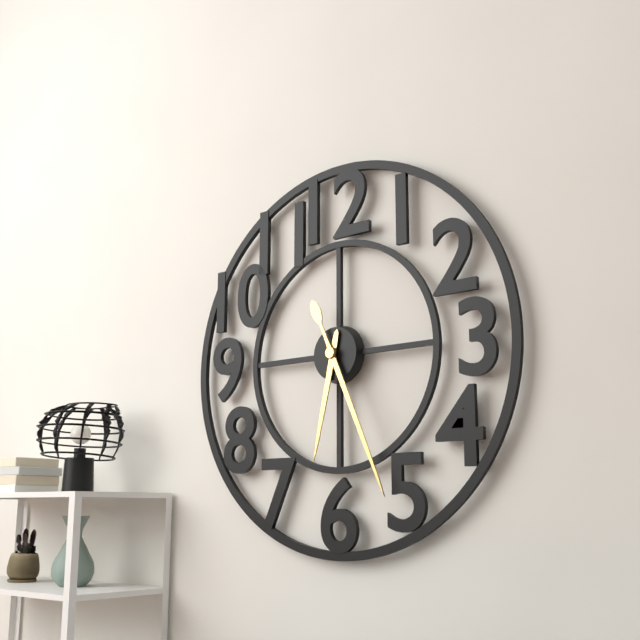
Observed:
{"hour": 6, "minute": 26}
